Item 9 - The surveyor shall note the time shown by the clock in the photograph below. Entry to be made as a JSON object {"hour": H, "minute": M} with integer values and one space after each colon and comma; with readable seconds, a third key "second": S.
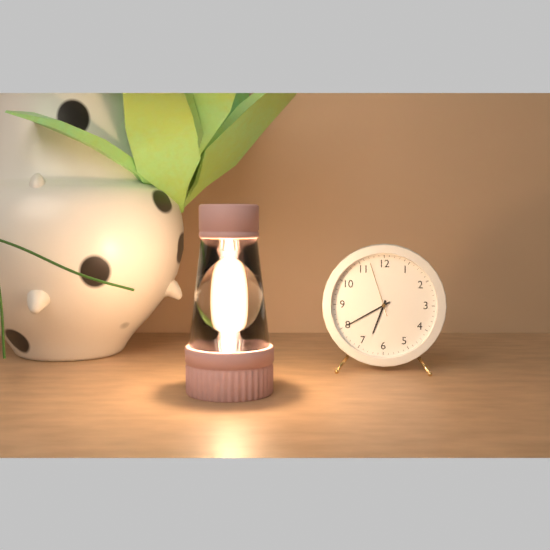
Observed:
{"hour": 6, "minute": 40, "second": 57}
